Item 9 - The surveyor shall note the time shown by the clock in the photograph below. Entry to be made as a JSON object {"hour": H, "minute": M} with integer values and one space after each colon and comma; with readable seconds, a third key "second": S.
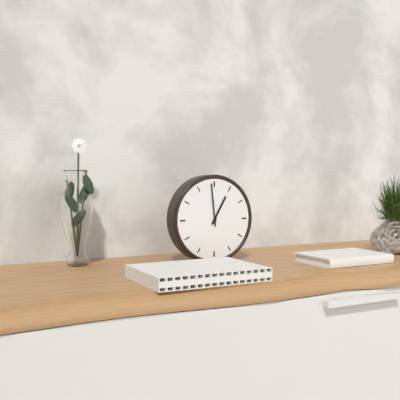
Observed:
{"hour": 12, "minute": 59}
